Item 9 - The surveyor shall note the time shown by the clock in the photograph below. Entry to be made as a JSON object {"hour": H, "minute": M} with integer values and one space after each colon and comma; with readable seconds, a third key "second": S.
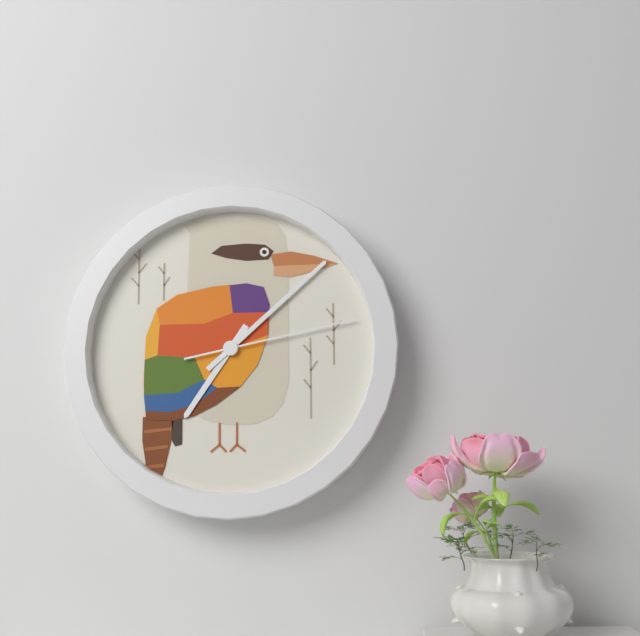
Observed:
{"hour": 7, "minute": 8, "second": 13}
